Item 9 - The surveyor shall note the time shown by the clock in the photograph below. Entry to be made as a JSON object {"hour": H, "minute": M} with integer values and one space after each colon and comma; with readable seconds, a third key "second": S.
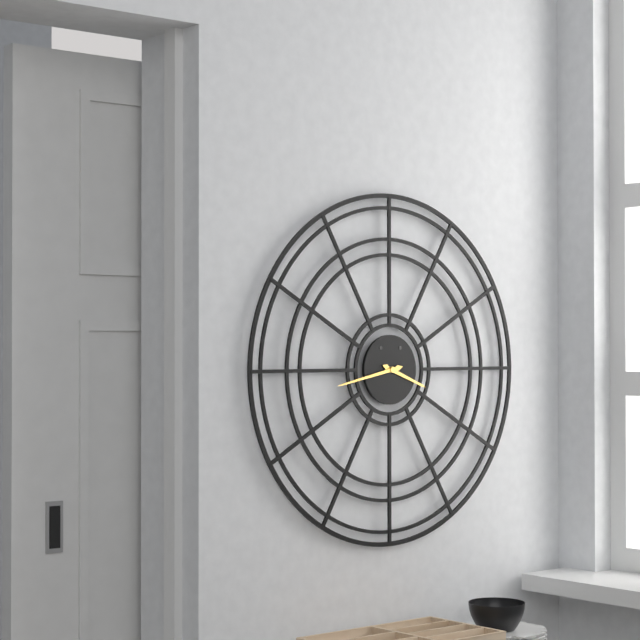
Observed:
{"hour": 3, "minute": 43}
